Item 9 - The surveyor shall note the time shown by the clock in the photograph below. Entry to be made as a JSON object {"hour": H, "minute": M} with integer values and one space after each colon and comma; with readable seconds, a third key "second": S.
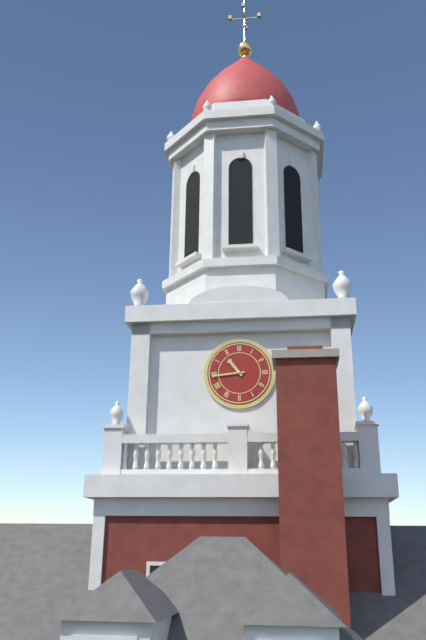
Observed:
{"hour": 10, "minute": 44}
